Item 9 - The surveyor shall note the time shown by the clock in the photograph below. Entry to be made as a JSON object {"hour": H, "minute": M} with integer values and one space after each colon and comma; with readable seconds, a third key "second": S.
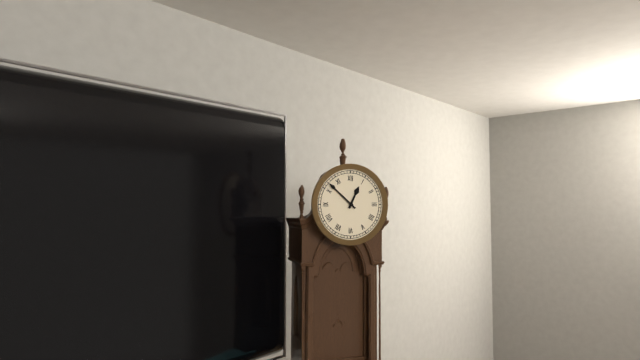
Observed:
{"hour": 12, "minute": 52}
